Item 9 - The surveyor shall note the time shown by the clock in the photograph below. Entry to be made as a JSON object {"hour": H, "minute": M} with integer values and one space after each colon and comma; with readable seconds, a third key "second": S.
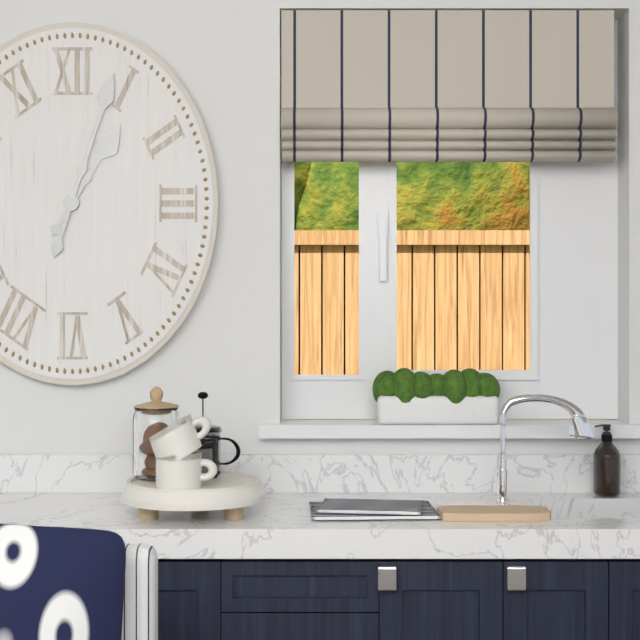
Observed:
{"hour": 1, "minute": 3}
